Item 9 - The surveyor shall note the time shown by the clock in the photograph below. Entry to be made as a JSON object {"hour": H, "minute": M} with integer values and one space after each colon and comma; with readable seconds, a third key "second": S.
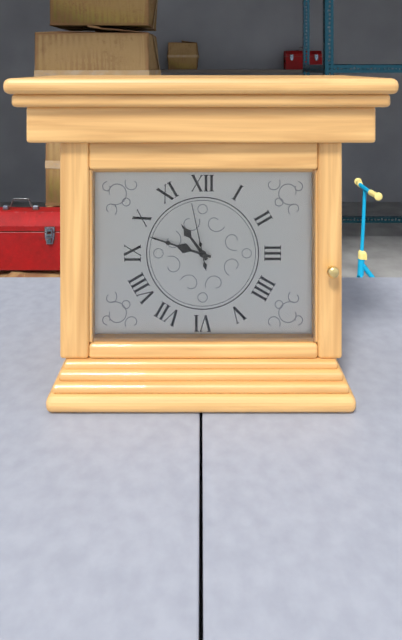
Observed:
{"hour": 10, "minute": 48, "second": 58}
